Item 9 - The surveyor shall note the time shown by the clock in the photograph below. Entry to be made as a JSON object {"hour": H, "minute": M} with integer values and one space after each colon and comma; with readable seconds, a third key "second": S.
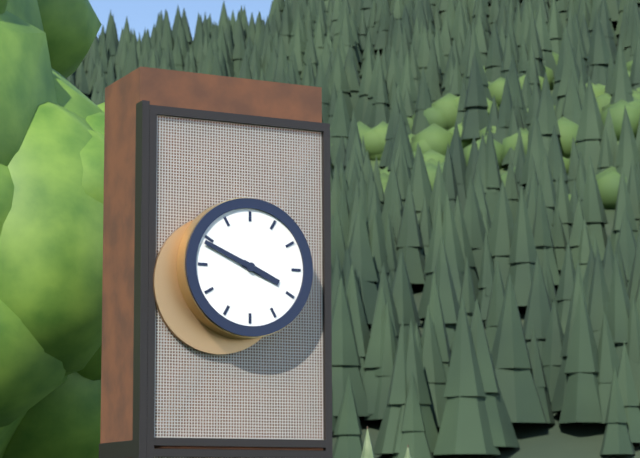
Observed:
{"hour": 3, "minute": 49}
